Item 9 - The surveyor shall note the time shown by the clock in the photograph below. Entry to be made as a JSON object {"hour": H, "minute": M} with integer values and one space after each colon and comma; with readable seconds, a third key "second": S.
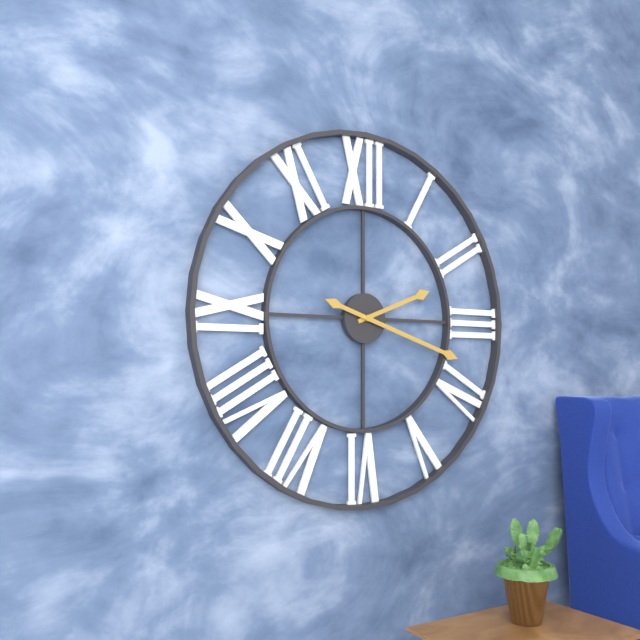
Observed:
{"hour": 2, "minute": 18}
